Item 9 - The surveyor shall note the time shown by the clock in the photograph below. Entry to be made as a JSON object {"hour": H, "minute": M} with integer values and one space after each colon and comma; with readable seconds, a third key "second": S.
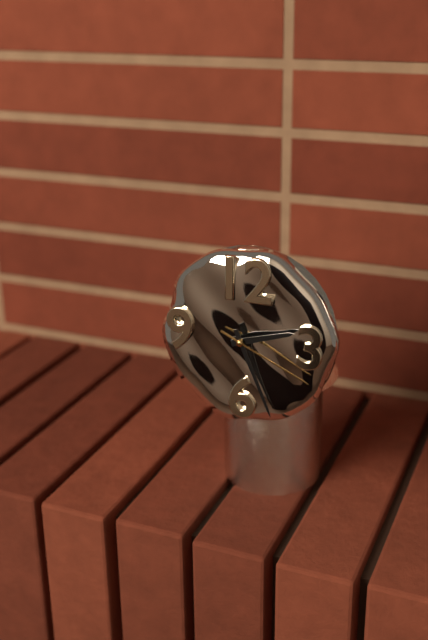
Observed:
{"hour": 2, "minute": 26, "second": 19}
